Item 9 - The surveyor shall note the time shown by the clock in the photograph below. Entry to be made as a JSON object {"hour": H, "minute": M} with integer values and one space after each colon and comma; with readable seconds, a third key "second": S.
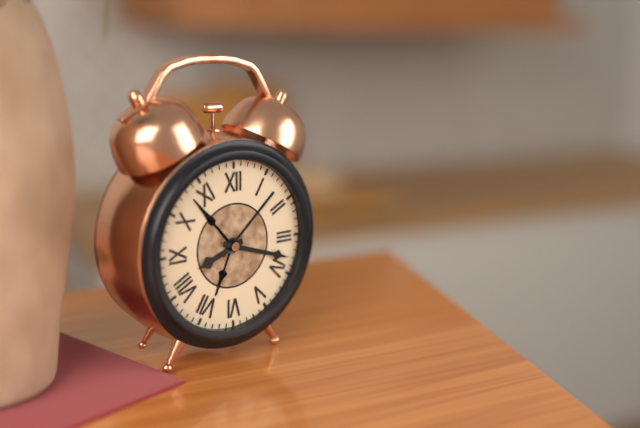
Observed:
{"hour": 8, "minute": 18}
